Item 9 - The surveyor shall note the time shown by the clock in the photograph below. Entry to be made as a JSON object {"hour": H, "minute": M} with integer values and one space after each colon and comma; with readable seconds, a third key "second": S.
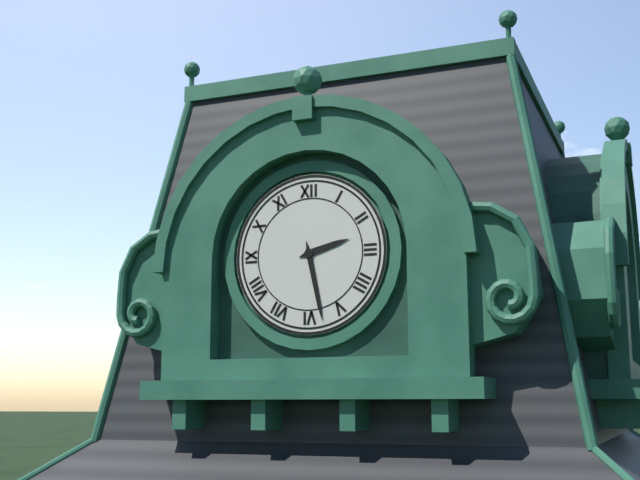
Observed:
{"hour": 2, "minute": 28}
